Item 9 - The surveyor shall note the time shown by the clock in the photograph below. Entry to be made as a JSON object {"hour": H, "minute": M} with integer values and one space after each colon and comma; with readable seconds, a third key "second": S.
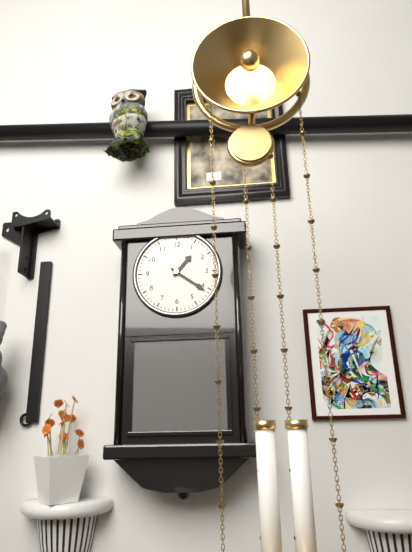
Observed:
{"hour": 1, "minute": 21}
